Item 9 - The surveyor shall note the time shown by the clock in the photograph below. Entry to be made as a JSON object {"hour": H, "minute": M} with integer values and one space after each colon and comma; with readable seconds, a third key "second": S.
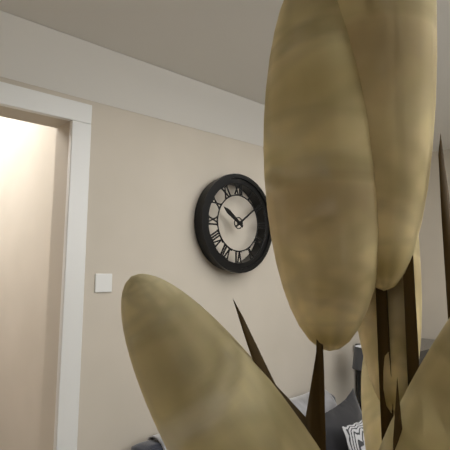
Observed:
{"hour": 10, "minute": 9}
